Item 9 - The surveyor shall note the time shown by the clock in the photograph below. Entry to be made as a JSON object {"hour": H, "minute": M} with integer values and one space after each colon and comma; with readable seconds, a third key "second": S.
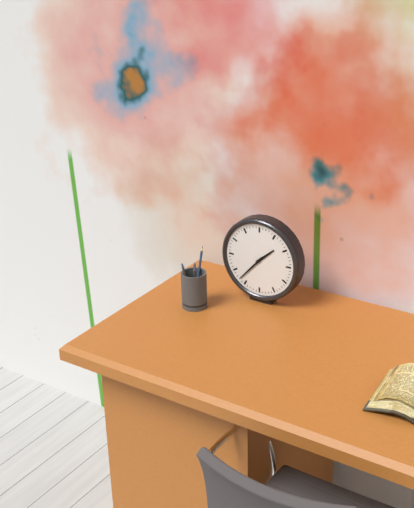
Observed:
{"hour": 1, "minute": 37}
